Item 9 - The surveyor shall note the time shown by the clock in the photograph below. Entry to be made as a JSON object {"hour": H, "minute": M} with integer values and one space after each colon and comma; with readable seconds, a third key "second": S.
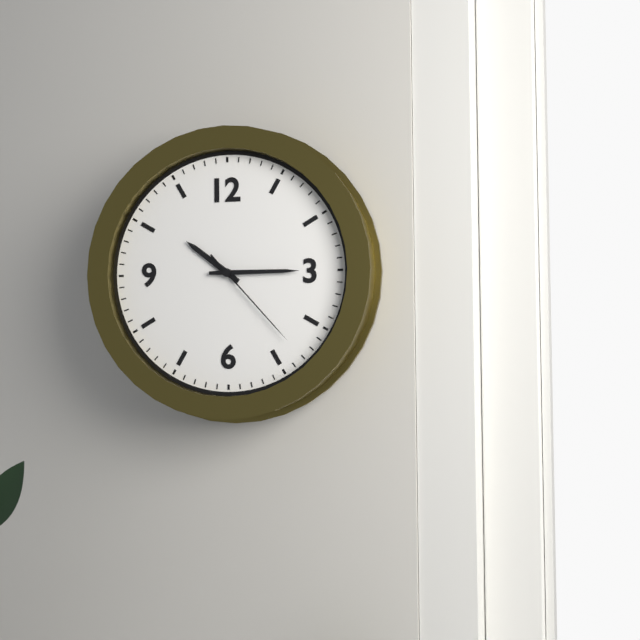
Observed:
{"hour": 10, "minute": 15, "second": 23}
